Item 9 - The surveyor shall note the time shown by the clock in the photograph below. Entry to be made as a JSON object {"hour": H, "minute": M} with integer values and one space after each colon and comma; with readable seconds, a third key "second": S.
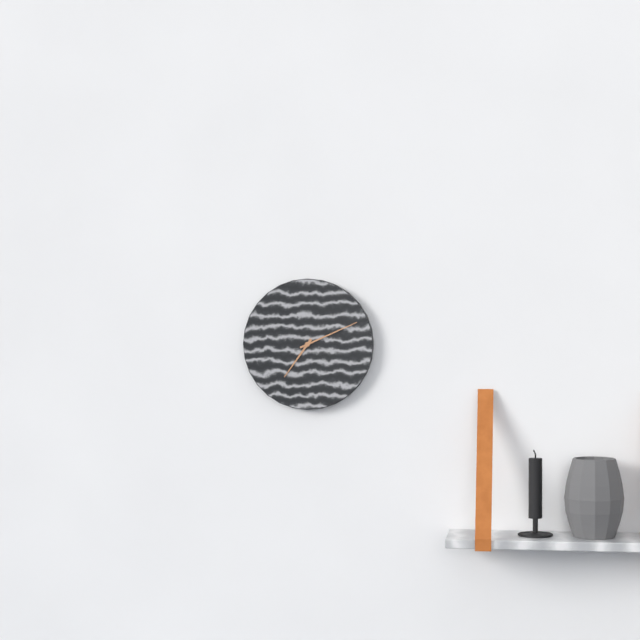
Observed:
{"hour": 7, "minute": 11}
